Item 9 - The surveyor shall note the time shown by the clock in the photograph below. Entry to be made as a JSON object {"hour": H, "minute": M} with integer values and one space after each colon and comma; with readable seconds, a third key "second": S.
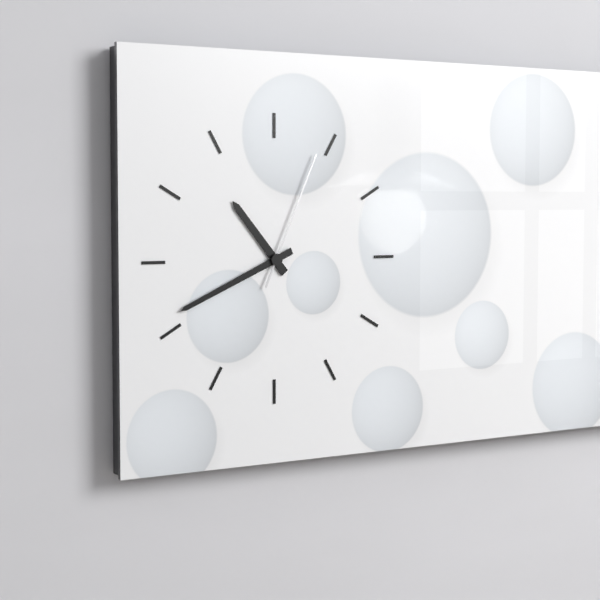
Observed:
{"hour": 10, "minute": 41, "second": 4}
